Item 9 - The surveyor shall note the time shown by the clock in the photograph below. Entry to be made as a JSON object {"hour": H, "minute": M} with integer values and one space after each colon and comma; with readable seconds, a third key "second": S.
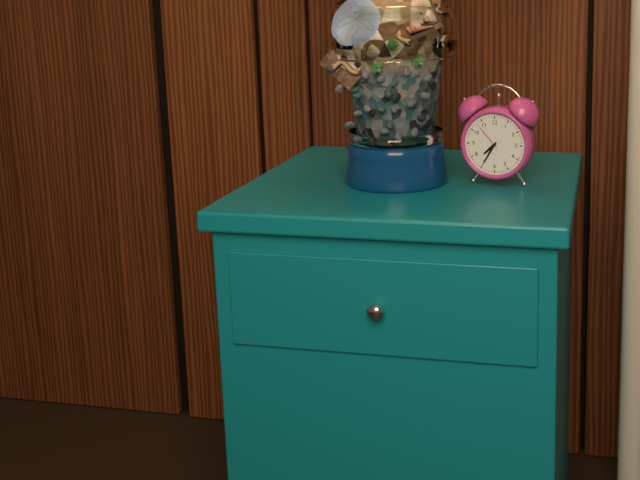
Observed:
{"hour": 7, "minute": 35}
